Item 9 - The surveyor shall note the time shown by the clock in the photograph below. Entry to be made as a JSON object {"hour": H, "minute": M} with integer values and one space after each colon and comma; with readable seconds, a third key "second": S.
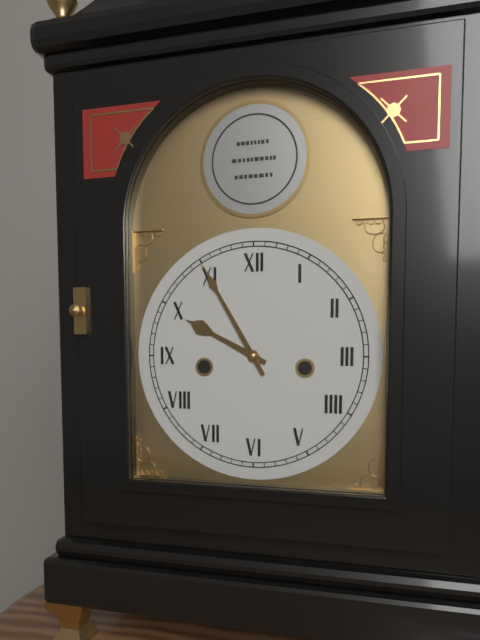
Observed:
{"hour": 9, "minute": 55}
